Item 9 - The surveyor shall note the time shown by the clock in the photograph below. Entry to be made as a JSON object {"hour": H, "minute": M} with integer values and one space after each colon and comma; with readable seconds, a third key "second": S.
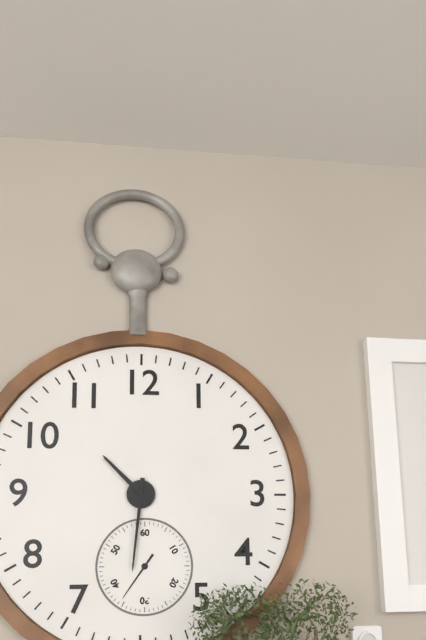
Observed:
{"hour": 10, "minute": 31}
